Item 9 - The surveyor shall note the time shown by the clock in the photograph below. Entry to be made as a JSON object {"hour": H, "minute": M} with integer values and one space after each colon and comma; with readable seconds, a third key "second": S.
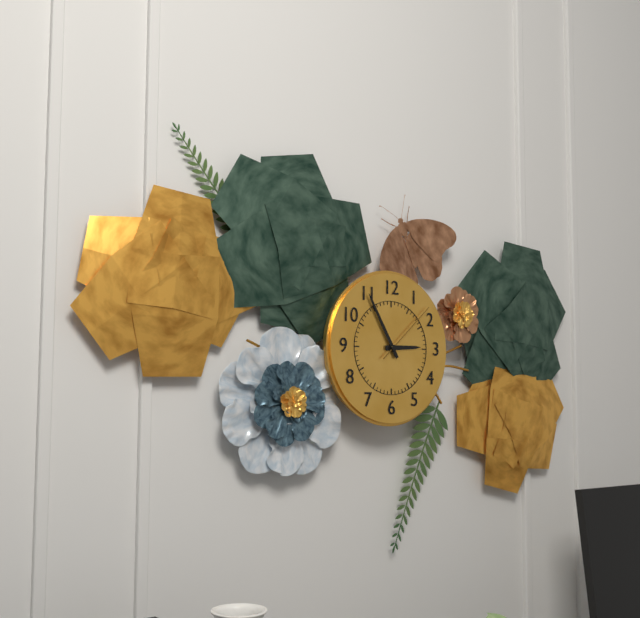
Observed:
{"hour": 2, "minute": 55, "second": 8}
